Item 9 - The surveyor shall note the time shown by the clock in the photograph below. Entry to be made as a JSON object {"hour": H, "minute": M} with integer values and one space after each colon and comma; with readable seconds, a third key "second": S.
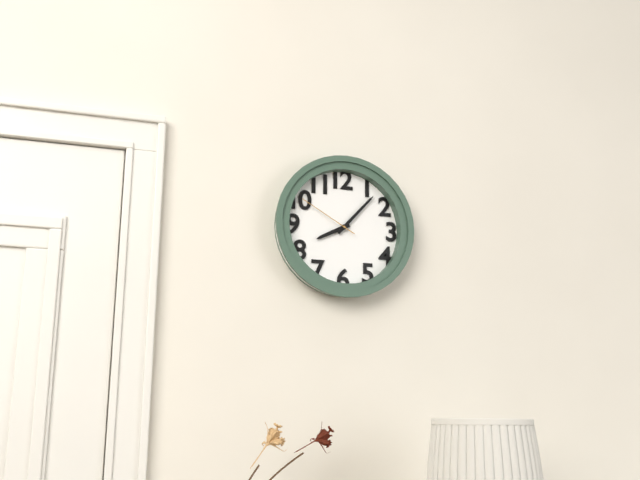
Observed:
{"hour": 8, "minute": 7, "second": 50}
